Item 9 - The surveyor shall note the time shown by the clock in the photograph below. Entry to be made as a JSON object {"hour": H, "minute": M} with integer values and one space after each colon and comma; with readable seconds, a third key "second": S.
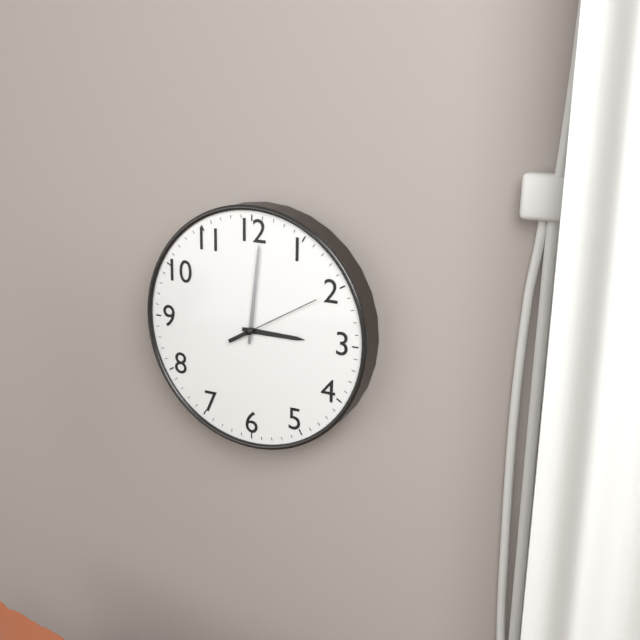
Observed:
{"hour": 3, "minute": 1, "second": 10}
